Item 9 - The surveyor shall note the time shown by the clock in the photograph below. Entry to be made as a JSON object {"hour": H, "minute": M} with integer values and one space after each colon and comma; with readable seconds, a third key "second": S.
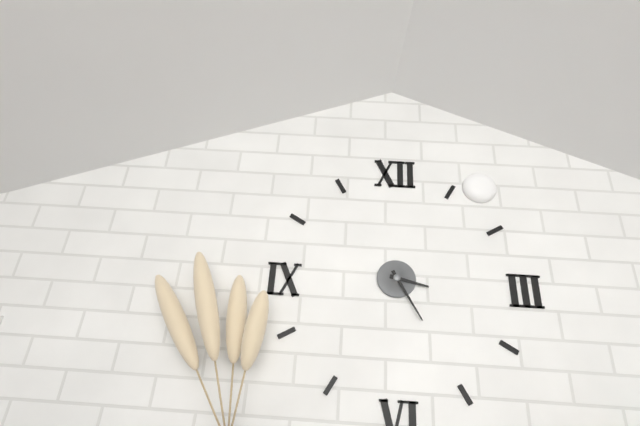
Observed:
{"hour": 3, "minute": 25}
